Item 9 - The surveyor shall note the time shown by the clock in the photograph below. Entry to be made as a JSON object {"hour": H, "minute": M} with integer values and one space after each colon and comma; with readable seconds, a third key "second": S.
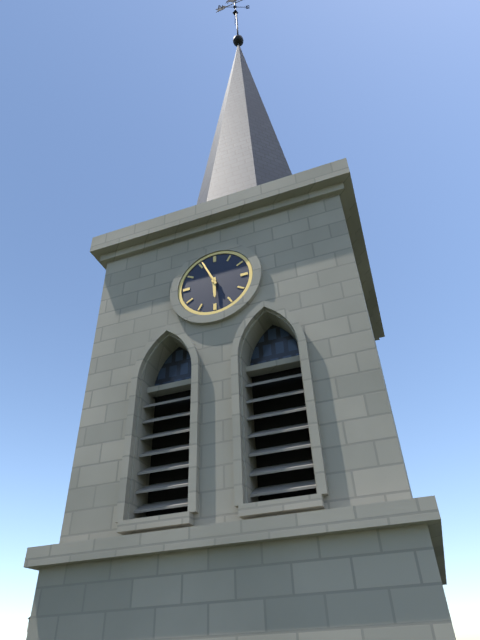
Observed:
{"hour": 5, "minute": 56}
